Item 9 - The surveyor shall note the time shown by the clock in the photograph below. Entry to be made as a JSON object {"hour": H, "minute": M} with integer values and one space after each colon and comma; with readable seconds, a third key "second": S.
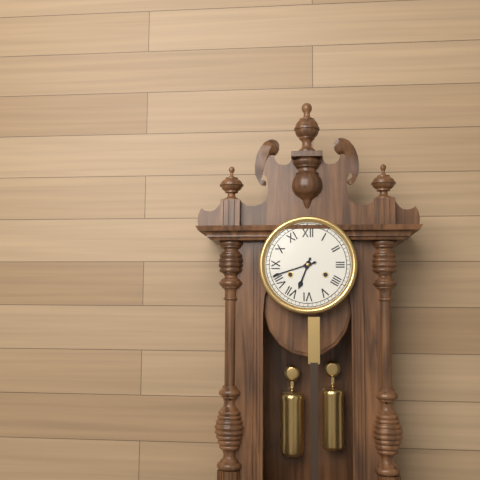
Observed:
{"hour": 6, "minute": 42}
